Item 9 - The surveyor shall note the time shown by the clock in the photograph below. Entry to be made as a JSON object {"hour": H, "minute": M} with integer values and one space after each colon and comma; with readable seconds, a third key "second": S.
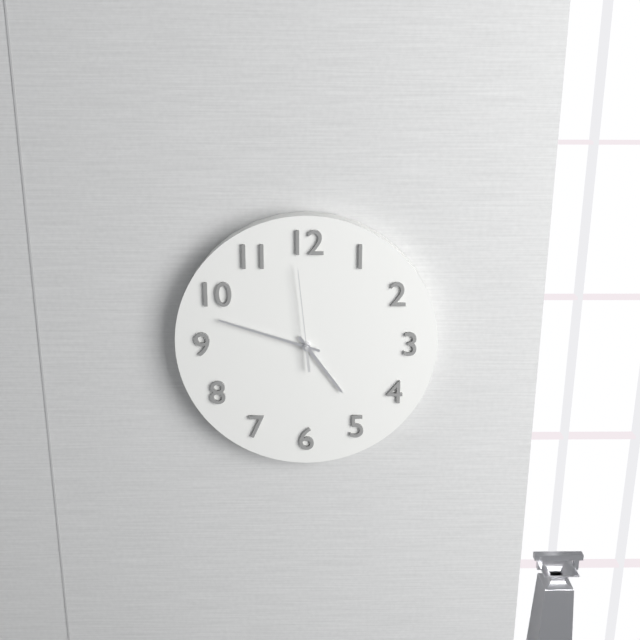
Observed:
{"hour": 4, "minute": 48, "second": 59}
